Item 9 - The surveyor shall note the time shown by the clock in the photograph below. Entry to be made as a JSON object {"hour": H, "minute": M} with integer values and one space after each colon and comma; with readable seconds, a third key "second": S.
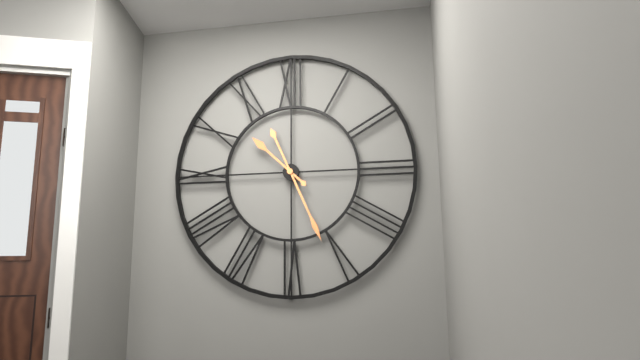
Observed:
{"hour": 10, "minute": 26}
